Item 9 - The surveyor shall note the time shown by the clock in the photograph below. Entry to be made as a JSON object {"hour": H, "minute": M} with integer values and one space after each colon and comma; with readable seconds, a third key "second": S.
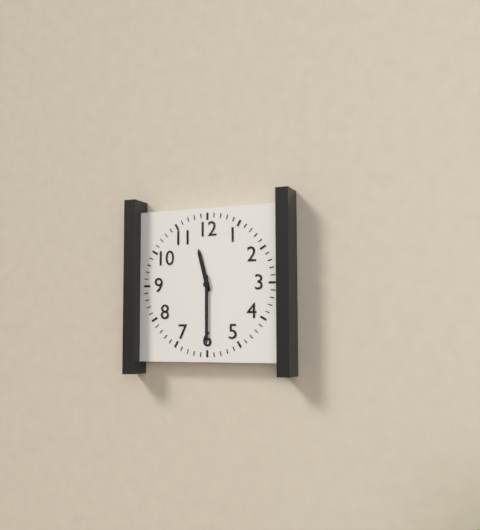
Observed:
{"hour": 11, "minute": 30}
